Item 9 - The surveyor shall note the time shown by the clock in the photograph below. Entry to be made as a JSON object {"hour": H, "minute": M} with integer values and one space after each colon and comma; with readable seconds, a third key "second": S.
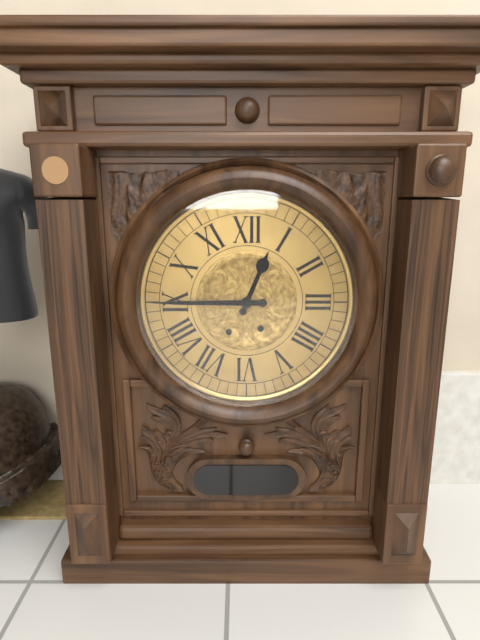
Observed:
{"hour": 12, "minute": 45}
